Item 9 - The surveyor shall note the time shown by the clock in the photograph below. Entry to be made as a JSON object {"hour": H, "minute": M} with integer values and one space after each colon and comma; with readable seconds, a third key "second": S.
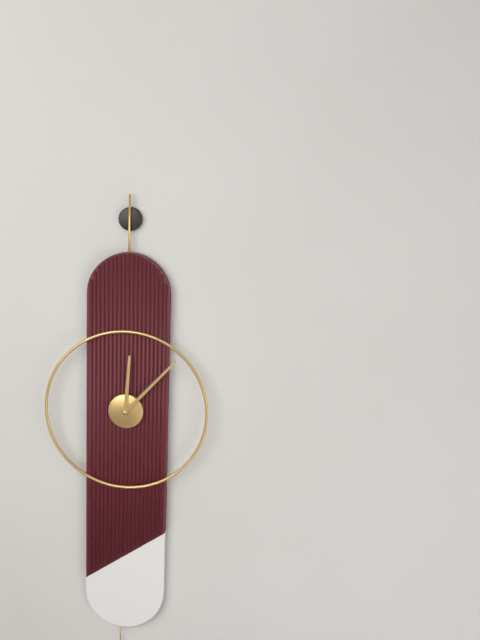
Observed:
{"hour": 12, "minute": 7}
